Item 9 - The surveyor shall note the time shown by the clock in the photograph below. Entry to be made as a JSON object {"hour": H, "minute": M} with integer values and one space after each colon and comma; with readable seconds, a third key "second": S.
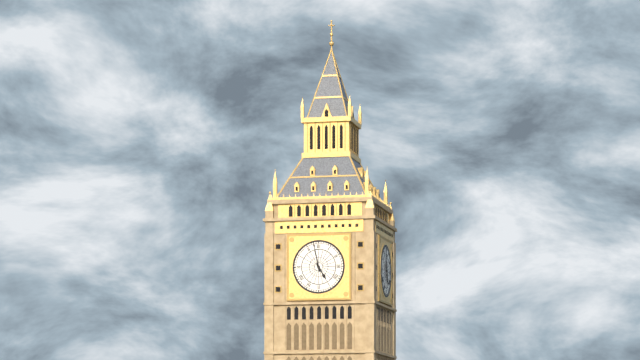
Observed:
{"hour": 4, "minute": 58}
